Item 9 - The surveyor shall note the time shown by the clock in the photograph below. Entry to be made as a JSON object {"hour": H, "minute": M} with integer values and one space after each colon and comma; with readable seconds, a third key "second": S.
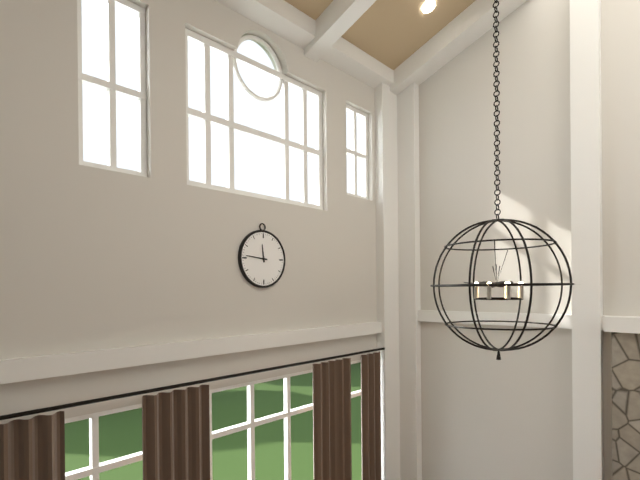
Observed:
{"hour": 11, "minute": 46}
